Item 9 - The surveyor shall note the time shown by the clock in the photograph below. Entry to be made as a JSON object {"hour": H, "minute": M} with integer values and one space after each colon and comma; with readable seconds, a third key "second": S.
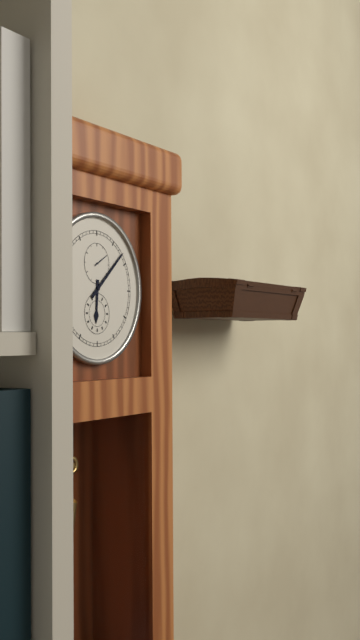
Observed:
{"hour": 6, "minute": 8}
